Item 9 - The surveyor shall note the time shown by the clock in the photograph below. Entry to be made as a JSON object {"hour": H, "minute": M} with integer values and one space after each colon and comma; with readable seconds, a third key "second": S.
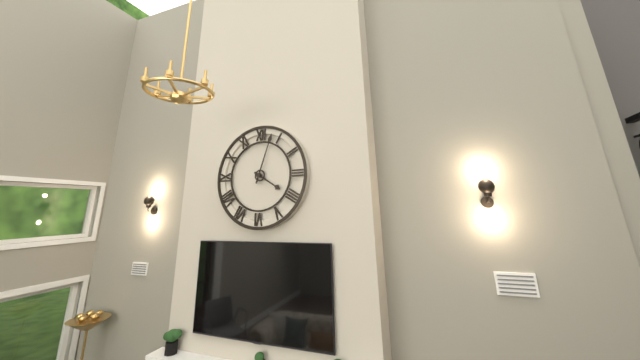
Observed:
{"hour": 4, "minute": 3}
